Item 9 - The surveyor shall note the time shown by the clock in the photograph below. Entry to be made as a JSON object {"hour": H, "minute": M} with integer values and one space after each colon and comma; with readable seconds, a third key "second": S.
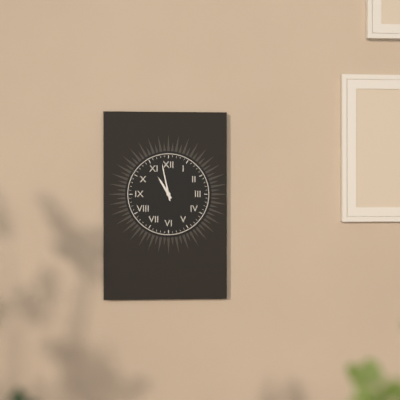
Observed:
{"hour": 10, "minute": 58}
